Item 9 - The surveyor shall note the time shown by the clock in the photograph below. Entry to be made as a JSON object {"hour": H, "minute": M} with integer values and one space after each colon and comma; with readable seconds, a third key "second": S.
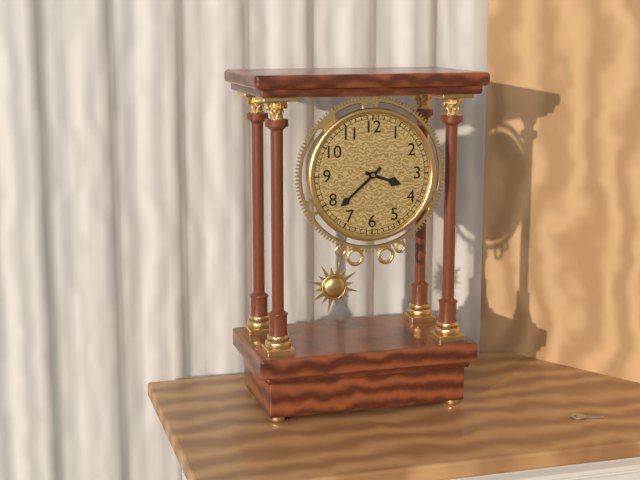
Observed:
{"hour": 3, "minute": 38}
